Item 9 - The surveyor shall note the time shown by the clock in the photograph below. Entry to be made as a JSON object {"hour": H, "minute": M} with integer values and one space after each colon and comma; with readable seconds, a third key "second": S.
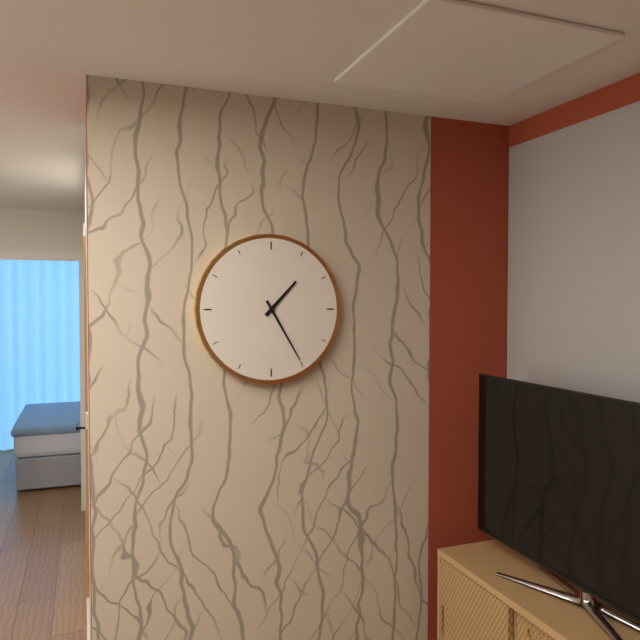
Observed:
{"hour": 1, "minute": 25}
